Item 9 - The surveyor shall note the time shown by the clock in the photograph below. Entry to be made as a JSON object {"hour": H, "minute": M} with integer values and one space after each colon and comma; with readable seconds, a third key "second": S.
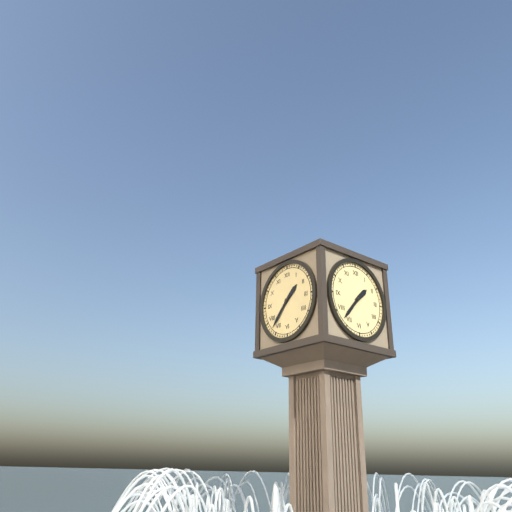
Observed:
{"hour": 1, "minute": 37}
